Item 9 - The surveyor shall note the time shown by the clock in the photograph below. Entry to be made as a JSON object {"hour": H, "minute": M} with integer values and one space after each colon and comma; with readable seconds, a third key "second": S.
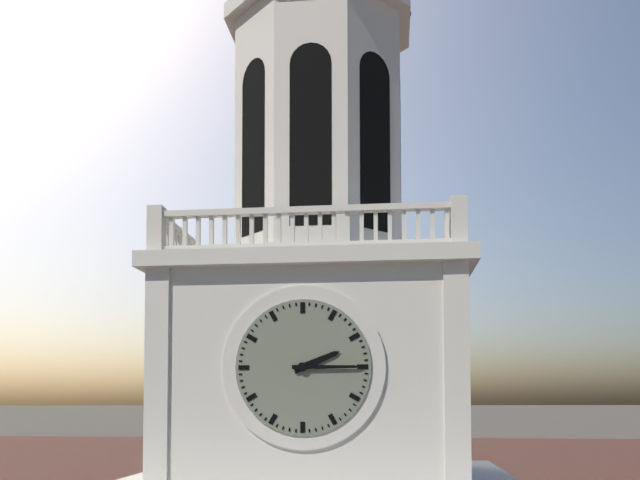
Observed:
{"hour": 2, "minute": 15}
